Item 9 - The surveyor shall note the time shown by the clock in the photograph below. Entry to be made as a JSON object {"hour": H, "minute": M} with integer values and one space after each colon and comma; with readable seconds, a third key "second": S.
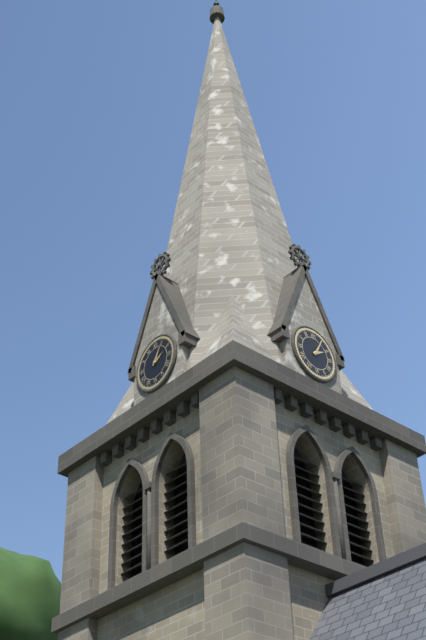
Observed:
{"hour": 2, "minute": 5}
